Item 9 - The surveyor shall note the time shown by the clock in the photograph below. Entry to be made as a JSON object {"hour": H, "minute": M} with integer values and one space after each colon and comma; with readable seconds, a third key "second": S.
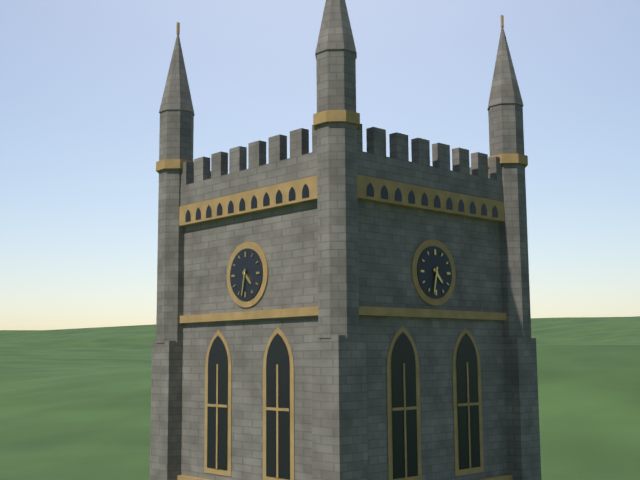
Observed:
{"hour": 4, "minute": 32}
